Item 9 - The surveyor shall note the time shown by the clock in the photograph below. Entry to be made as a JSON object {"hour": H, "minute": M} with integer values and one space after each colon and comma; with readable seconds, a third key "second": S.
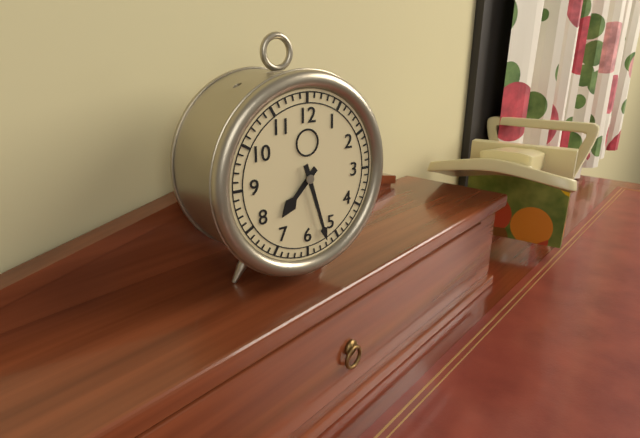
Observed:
{"hour": 7, "minute": 27}
